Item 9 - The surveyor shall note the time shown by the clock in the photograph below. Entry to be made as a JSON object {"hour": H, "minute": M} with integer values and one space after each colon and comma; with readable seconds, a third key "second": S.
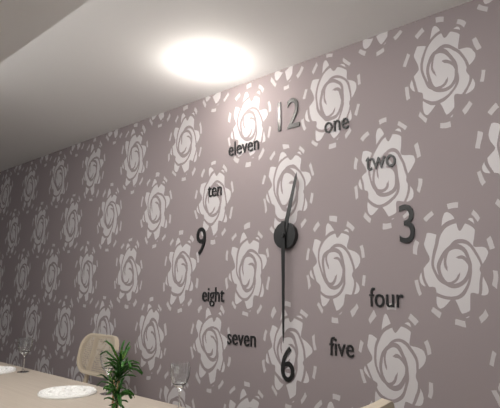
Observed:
{"hour": 12, "minute": 30}
